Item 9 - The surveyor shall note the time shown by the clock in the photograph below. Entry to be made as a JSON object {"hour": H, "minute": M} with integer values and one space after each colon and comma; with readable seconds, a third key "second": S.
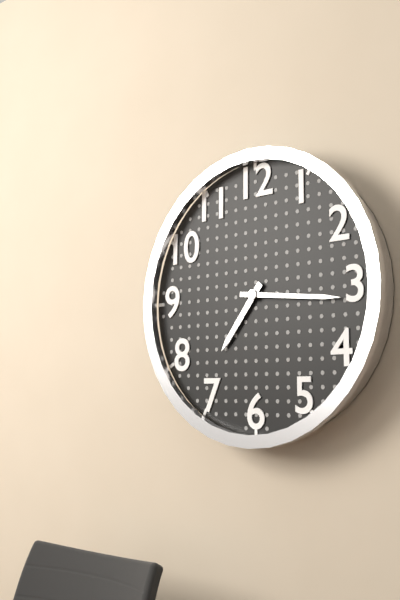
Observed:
{"hour": 7, "minute": 16}
